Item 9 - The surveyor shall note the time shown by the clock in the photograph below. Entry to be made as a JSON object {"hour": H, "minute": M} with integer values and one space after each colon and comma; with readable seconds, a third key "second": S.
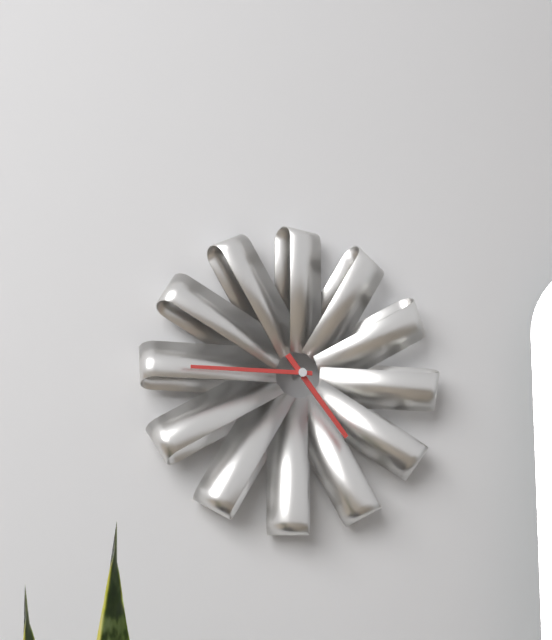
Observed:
{"hour": 4, "minute": 45}
